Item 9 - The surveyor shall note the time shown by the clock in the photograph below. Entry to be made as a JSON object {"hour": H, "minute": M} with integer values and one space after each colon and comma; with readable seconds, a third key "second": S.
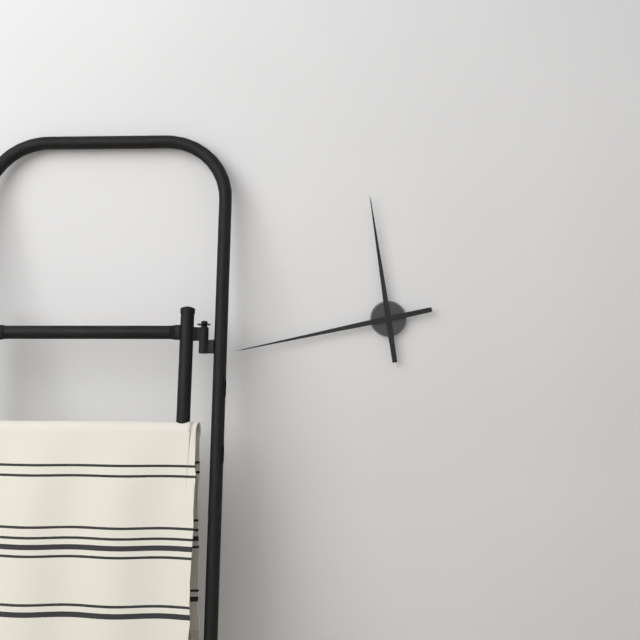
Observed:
{"hour": 11, "minute": 43}
